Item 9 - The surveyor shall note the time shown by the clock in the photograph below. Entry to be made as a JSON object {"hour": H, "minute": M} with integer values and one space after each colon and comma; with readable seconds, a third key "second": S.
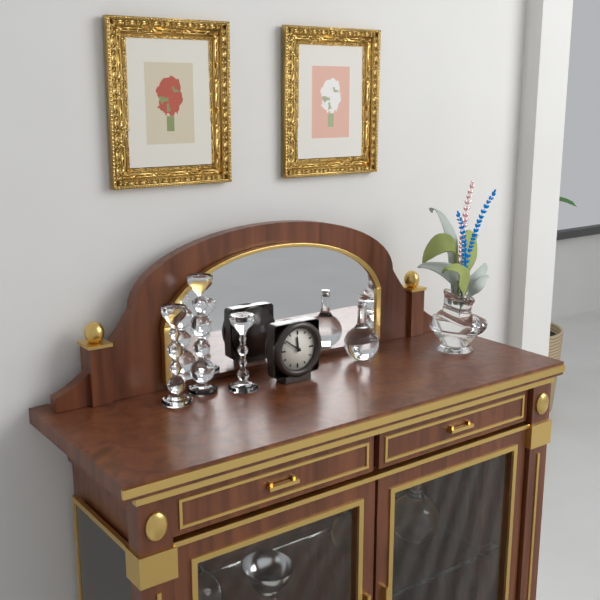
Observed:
{"hour": 11, "minute": 51}
